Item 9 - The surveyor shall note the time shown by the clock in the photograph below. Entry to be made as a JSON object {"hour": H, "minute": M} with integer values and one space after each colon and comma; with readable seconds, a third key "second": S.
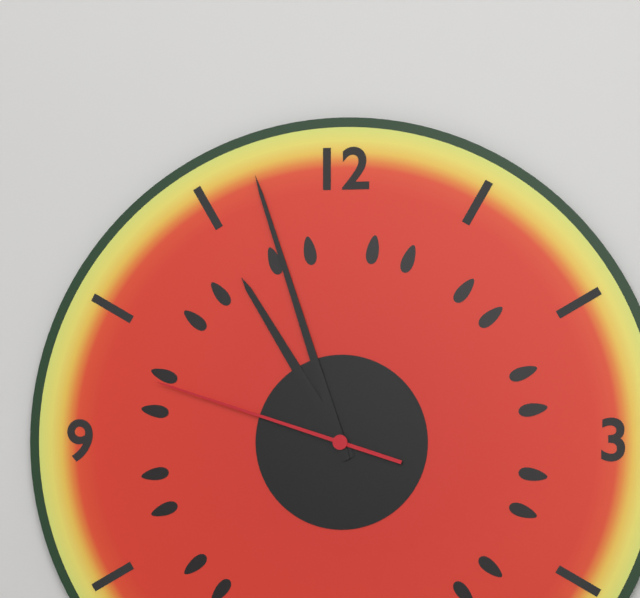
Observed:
{"hour": 10, "minute": 57, "second": 48}
